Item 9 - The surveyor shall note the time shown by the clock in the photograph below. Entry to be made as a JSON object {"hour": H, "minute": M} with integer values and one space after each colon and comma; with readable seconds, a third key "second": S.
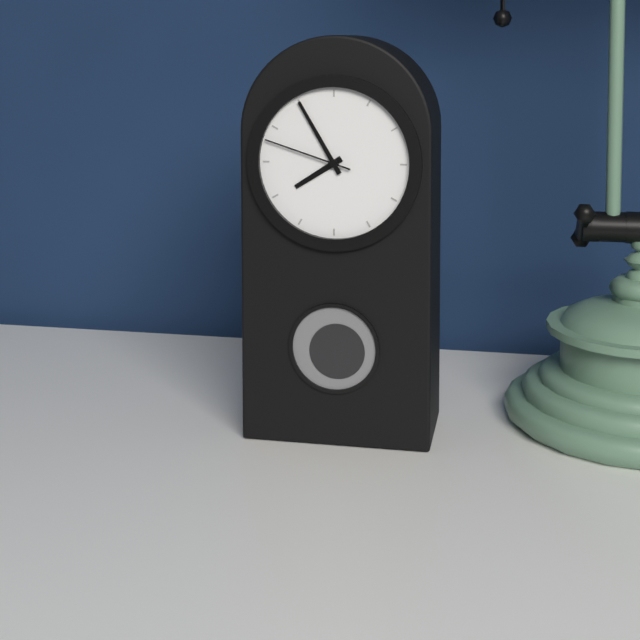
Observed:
{"hour": 7, "minute": 55, "second": 48}
